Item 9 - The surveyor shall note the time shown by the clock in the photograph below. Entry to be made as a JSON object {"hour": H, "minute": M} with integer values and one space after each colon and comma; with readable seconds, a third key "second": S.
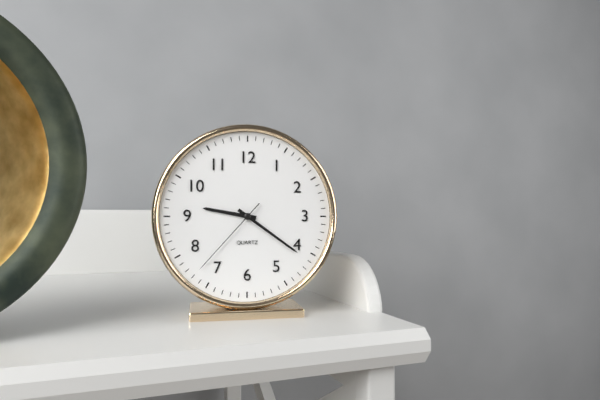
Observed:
{"hour": 9, "minute": 21, "second": 37}
